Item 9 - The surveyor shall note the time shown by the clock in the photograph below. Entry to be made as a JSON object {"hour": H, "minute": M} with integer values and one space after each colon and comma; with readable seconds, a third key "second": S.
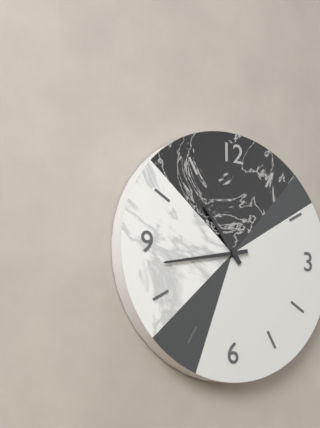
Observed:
{"hour": 10, "minute": 43}
